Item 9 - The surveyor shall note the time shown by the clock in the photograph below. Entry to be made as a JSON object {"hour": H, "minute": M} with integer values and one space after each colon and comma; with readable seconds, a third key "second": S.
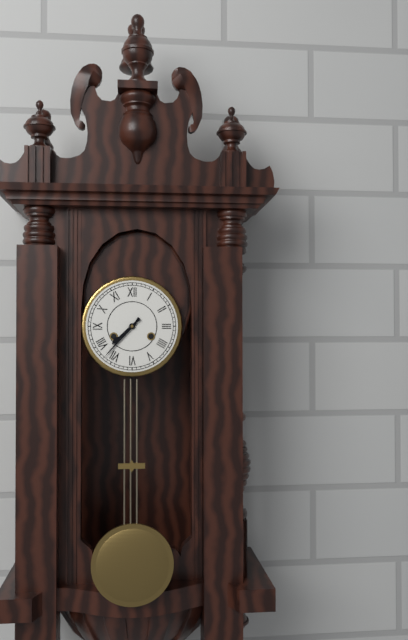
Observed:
{"hour": 7, "minute": 37}
